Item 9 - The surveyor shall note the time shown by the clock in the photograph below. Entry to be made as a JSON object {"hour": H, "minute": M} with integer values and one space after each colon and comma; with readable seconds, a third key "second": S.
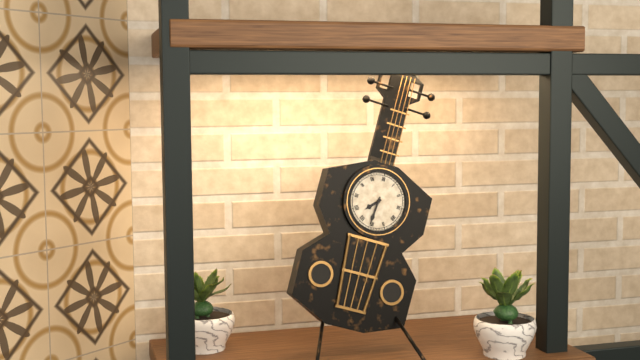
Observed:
{"hour": 7, "minute": 31}
